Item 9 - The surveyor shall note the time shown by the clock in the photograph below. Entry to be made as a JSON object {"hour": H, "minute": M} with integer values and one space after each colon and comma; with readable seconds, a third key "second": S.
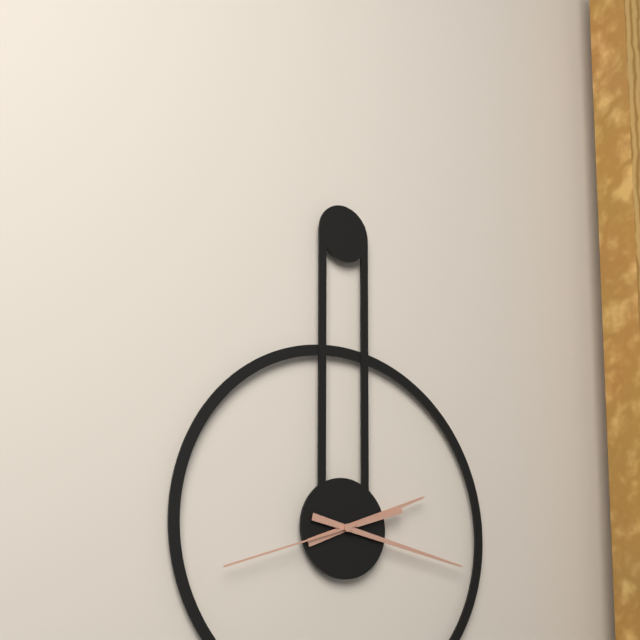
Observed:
{"hour": 2, "minute": 17, "second": 42}
